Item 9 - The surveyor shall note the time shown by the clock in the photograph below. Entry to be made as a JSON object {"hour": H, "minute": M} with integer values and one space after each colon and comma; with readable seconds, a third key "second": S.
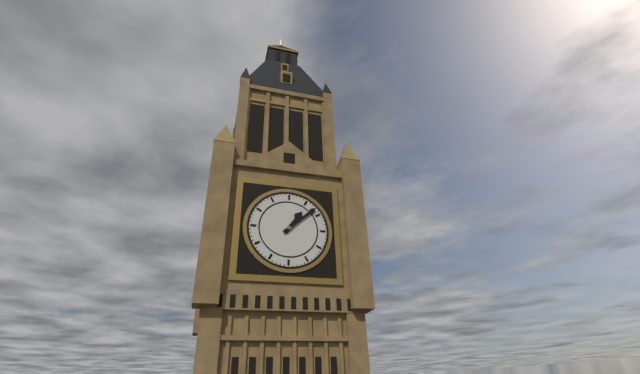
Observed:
{"hour": 1, "minute": 8}
